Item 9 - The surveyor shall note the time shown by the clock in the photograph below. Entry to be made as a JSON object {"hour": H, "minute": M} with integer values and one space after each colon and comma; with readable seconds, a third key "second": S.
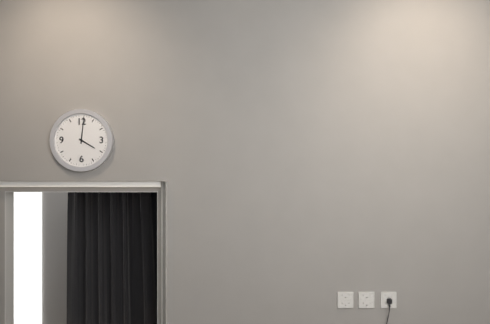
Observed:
{"hour": 4, "minute": 1}
